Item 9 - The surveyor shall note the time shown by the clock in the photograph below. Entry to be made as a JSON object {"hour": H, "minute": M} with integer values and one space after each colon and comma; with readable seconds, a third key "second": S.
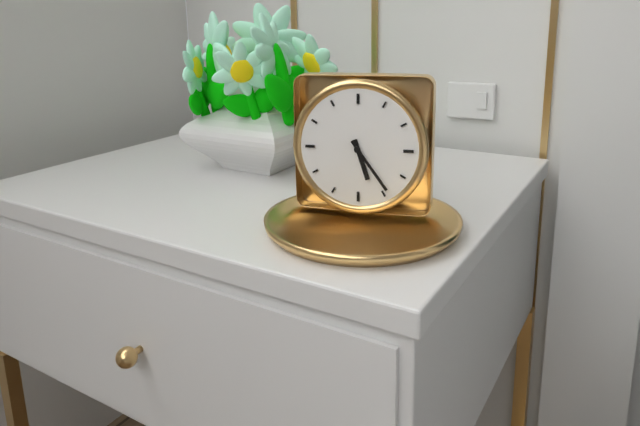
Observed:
{"hour": 5, "minute": 24}
